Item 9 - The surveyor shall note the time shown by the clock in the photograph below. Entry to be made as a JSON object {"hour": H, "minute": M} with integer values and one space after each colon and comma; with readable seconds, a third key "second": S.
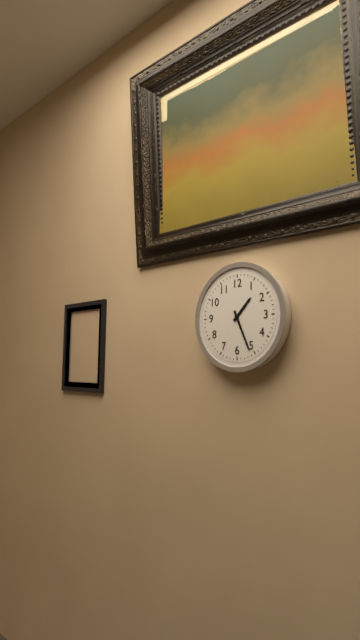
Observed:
{"hour": 1, "minute": 26}
